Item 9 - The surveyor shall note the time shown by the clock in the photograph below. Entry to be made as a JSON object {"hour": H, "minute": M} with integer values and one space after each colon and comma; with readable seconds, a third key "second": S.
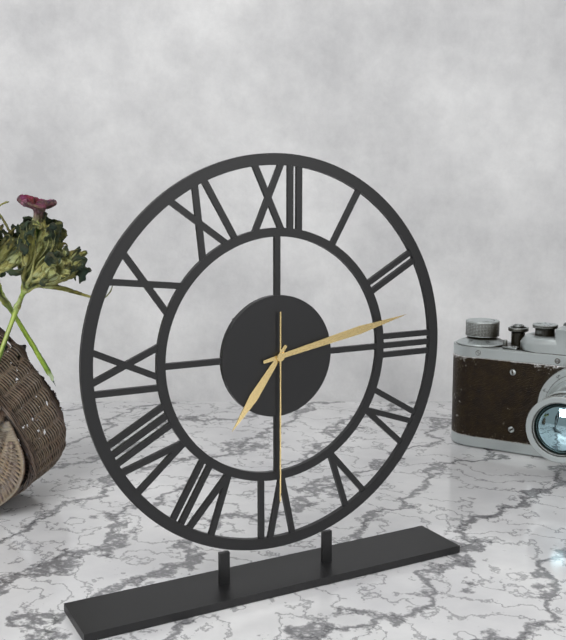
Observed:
{"hour": 7, "minute": 13, "second": 30}
